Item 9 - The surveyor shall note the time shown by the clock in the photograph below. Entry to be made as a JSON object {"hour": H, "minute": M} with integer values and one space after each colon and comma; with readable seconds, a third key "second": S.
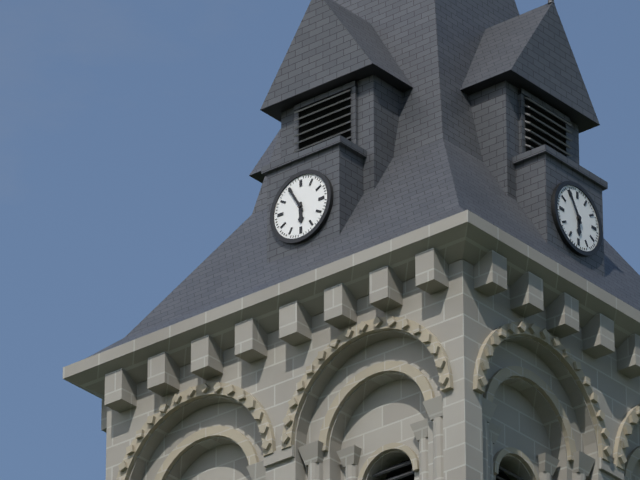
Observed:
{"hour": 5, "minute": 55}
